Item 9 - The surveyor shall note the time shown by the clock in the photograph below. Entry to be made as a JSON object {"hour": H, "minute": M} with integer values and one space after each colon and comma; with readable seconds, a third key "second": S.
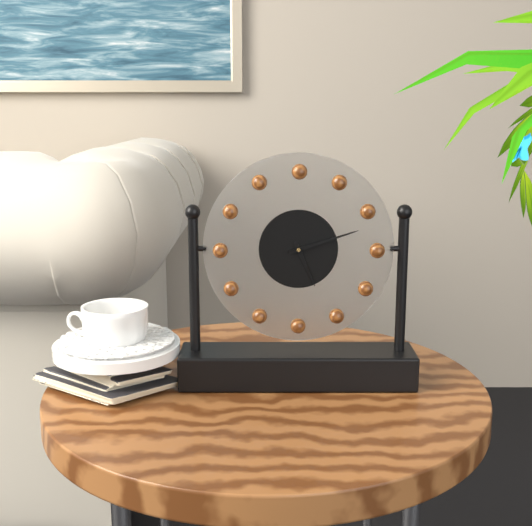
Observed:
{"hour": 5, "minute": 12}
